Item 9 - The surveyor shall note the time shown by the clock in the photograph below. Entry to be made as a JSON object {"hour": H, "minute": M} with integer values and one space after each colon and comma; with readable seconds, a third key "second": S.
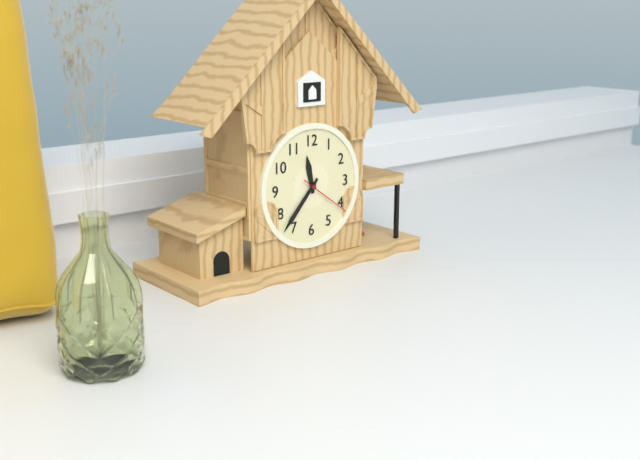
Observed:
{"hour": 11, "minute": 37, "second": 21}
